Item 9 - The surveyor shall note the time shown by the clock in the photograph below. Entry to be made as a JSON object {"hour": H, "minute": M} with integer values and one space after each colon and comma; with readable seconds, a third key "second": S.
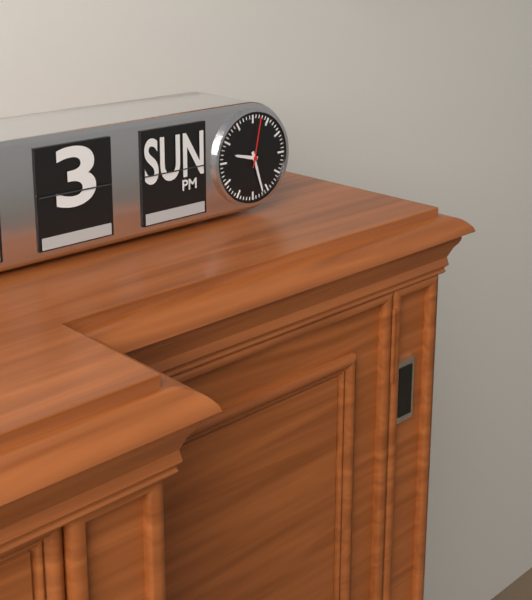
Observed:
{"hour": 9, "minute": 27, "second": 2}
